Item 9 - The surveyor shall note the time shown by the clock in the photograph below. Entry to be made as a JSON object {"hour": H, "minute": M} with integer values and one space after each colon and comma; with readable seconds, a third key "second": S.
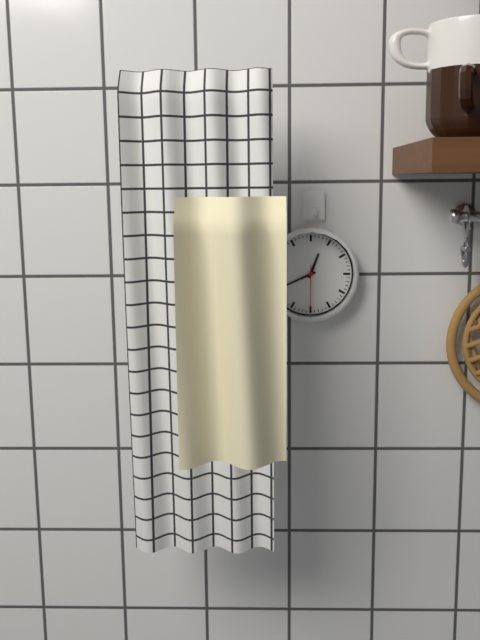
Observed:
{"hour": 12, "minute": 41}
